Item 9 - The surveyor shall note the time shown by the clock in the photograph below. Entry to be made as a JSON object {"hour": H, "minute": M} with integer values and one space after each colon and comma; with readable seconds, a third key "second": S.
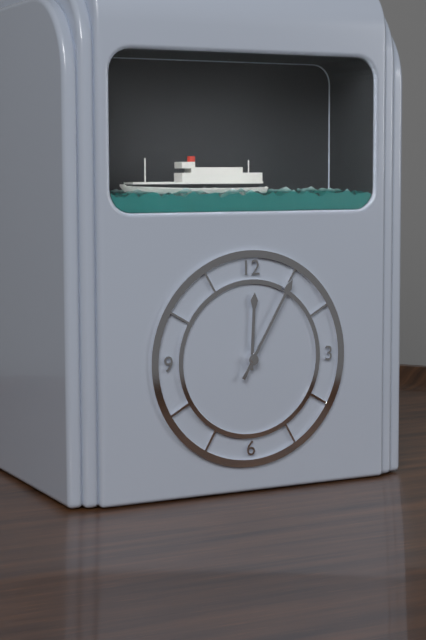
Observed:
{"hour": 12, "minute": 5}
